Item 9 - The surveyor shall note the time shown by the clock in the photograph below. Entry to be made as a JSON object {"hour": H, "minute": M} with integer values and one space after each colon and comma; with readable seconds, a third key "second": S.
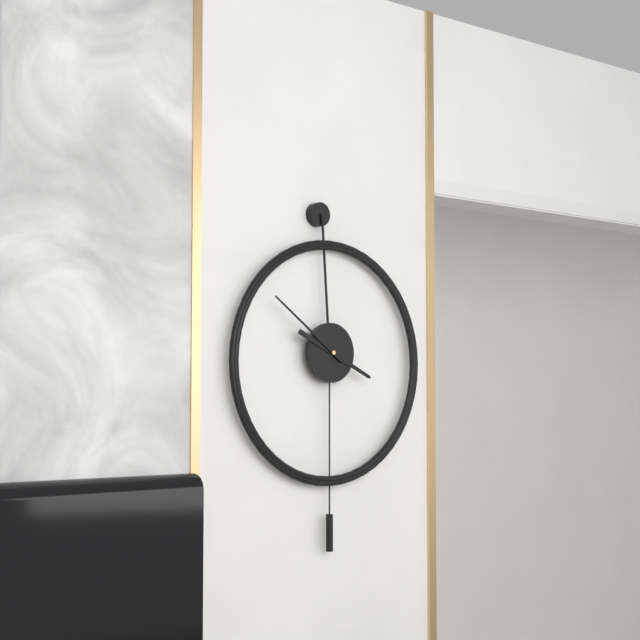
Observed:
{"hour": 3, "minute": 51}
